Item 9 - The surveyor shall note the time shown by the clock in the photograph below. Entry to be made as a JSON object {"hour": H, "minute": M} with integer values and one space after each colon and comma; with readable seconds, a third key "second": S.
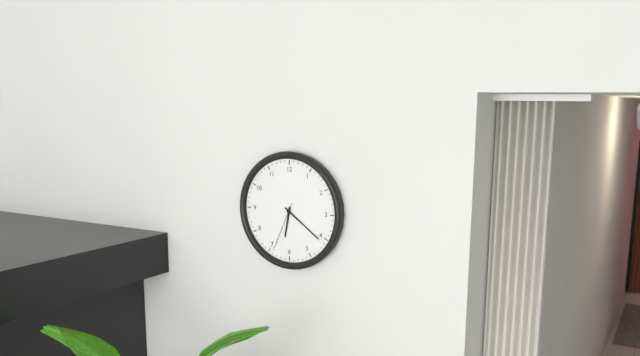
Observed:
{"hour": 6, "minute": 21, "second": 34}
